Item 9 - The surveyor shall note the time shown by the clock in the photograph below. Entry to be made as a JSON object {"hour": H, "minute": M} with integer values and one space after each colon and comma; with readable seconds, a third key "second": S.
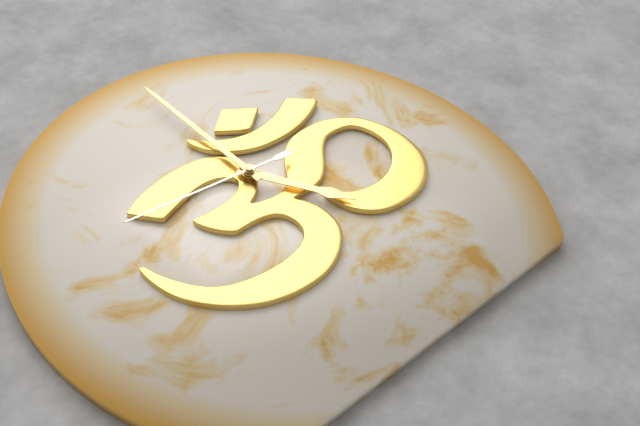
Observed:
{"hour": 5, "minute": 0, "second": 46}
